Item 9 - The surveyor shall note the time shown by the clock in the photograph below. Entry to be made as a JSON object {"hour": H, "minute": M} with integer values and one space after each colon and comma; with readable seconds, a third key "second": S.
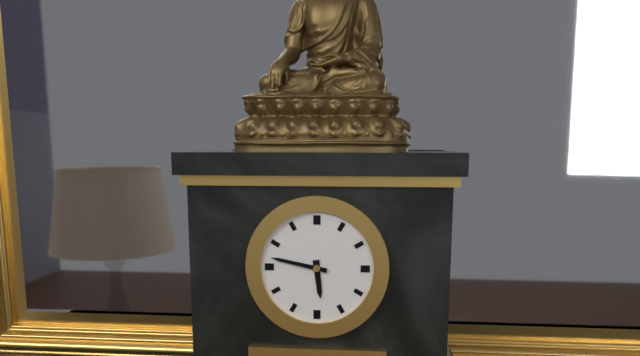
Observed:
{"hour": 5, "minute": 47}
